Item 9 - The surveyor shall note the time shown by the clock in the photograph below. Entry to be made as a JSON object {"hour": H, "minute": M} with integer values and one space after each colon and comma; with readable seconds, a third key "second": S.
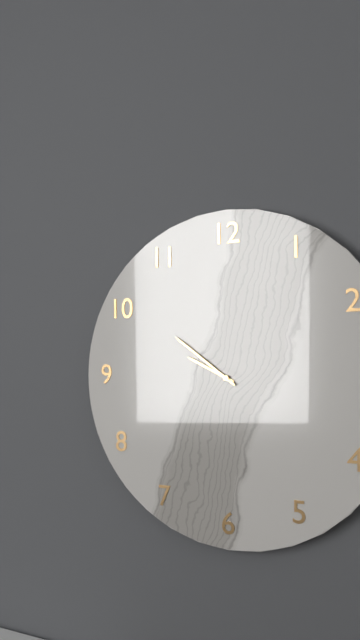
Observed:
{"hour": 9, "minute": 51}
